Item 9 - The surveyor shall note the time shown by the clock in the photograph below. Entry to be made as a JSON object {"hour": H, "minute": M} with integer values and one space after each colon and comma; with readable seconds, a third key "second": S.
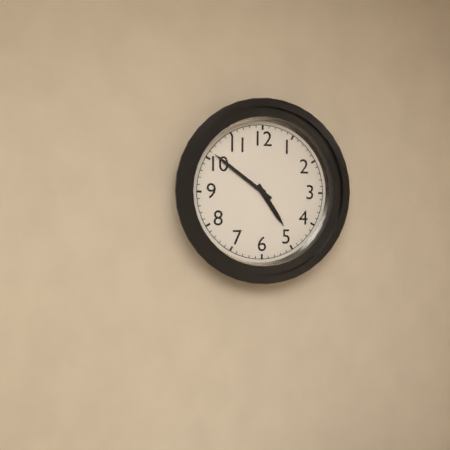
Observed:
{"hour": 4, "minute": 51}
